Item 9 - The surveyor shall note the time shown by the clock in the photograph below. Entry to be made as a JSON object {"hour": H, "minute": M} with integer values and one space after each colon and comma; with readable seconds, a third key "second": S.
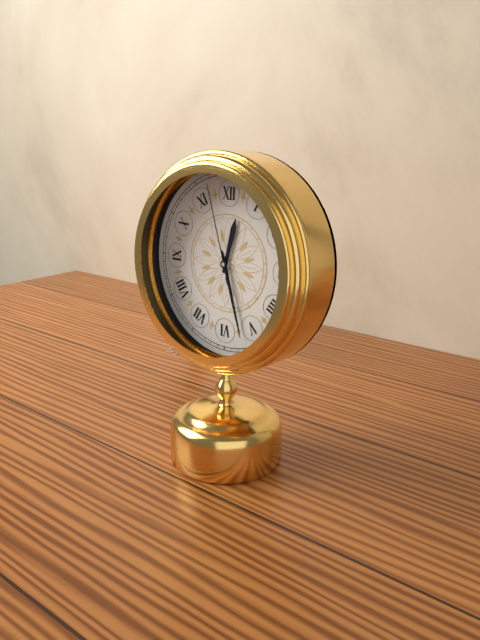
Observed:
{"hour": 12, "minute": 27, "second": 57}
